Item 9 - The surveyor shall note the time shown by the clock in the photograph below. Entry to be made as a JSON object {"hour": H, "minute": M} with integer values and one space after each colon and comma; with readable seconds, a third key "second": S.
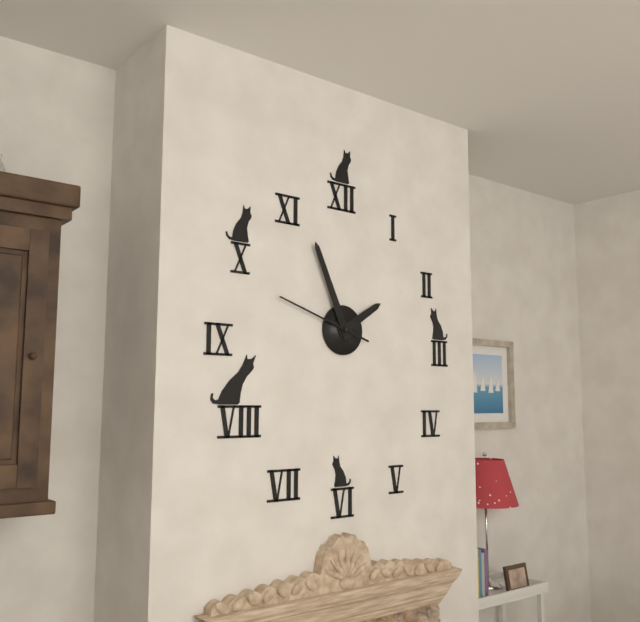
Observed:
{"hour": 1, "minute": 56, "second": 48}
